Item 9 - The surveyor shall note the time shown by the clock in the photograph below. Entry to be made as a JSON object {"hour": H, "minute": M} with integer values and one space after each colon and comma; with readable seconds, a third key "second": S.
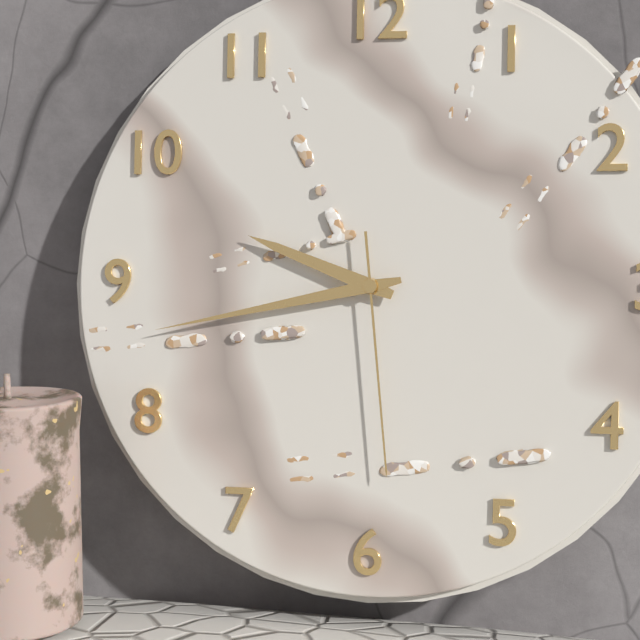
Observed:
{"hour": 9, "minute": 43, "second": 29}
